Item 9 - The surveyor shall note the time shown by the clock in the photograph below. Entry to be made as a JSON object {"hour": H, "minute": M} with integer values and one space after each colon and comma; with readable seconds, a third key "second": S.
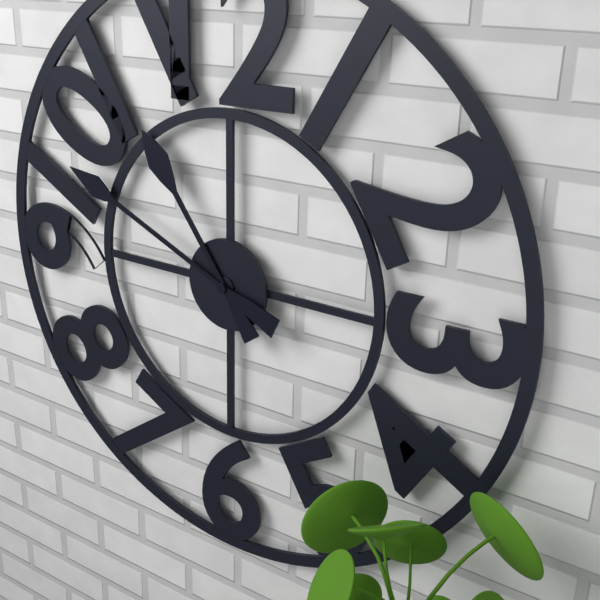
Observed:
{"hour": 10, "minute": 49}
